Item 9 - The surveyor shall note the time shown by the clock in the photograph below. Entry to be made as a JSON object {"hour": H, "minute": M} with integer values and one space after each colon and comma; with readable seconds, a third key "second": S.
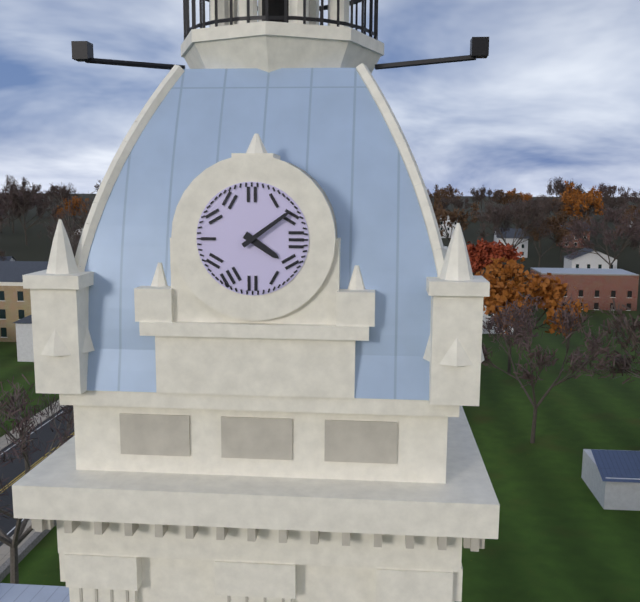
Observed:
{"hour": 4, "minute": 9}
